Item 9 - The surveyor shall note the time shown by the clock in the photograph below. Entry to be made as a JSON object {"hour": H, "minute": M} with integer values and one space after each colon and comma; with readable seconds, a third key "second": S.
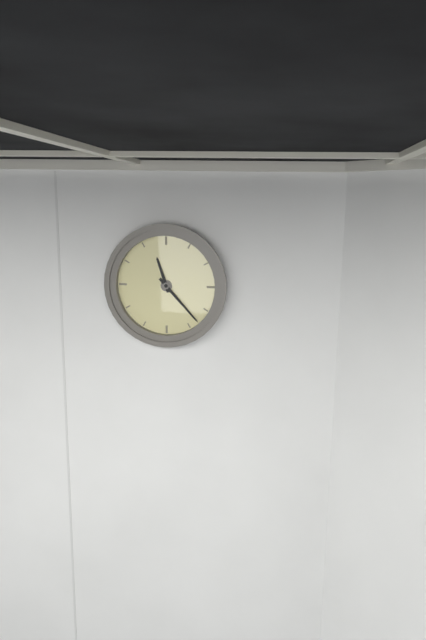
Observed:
{"hour": 11, "minute": 23}
